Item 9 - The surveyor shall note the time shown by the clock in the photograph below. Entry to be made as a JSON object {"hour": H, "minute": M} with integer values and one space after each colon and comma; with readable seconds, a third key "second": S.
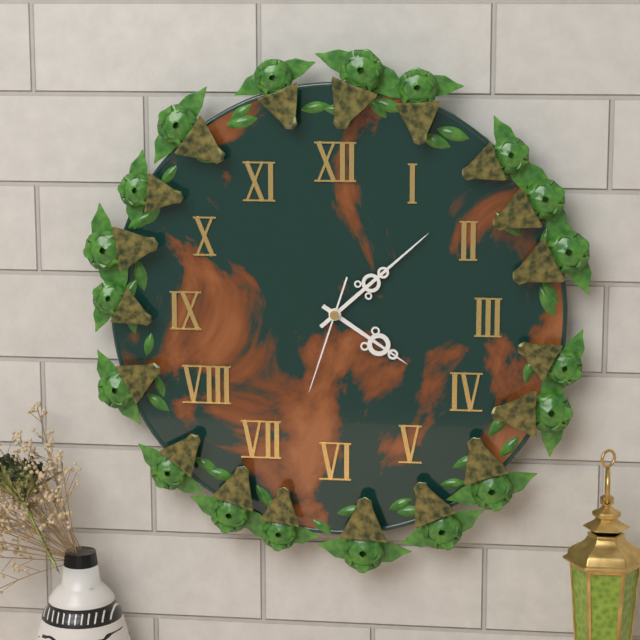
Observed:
{"hour": 4, "minute": 8, "second": 33}
